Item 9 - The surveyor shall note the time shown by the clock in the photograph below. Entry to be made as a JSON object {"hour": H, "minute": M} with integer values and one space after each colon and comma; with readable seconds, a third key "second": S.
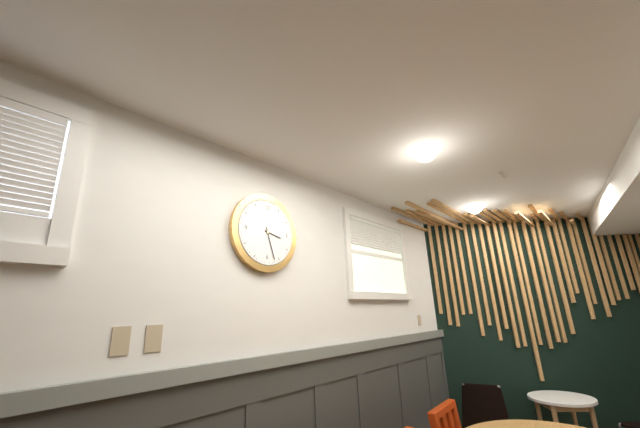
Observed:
{"hour": 3, "minute": 27}
